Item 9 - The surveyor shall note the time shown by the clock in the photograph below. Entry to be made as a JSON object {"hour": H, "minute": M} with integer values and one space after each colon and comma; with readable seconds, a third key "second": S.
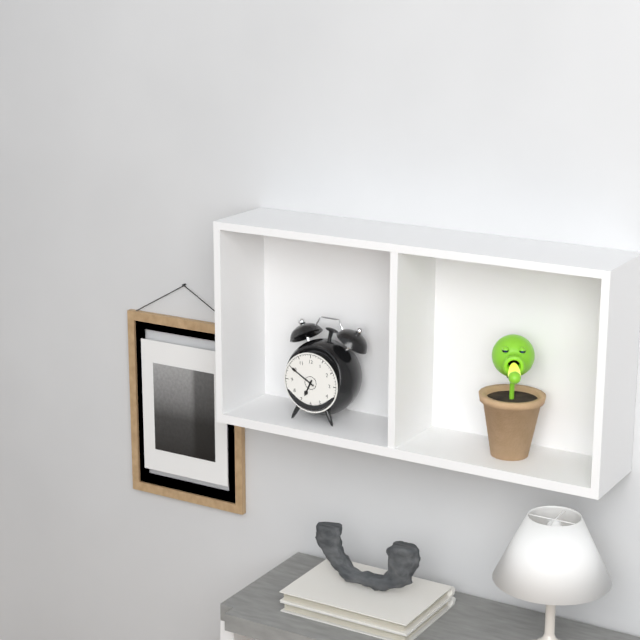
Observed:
{"hour": 6, "minute": 50}
